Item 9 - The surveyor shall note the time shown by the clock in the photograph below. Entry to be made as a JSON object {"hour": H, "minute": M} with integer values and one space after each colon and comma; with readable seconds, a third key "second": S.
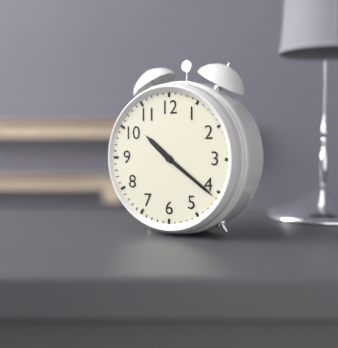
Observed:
{"hour": 10, "minute": 21}
